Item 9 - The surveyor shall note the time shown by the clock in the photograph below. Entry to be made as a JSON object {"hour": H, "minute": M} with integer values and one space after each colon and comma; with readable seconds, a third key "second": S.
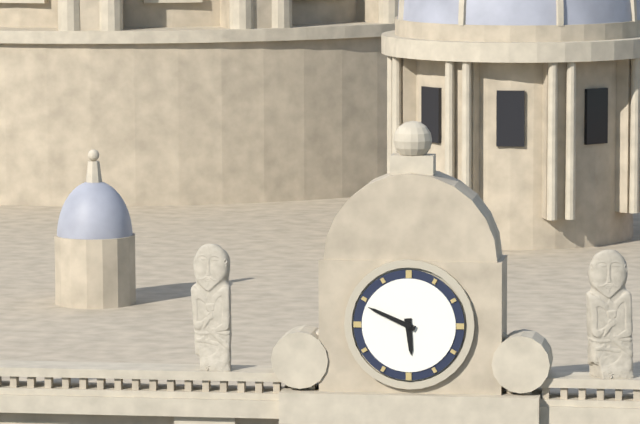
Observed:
{"hour": 5, "minute": 49}
